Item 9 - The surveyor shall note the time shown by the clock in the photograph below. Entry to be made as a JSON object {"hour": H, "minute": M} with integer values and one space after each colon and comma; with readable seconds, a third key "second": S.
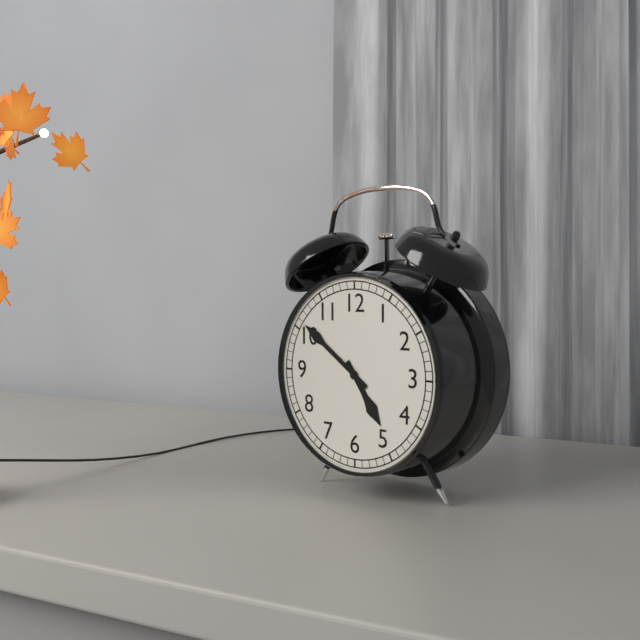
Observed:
{"hour": 4, "minute": 51}
